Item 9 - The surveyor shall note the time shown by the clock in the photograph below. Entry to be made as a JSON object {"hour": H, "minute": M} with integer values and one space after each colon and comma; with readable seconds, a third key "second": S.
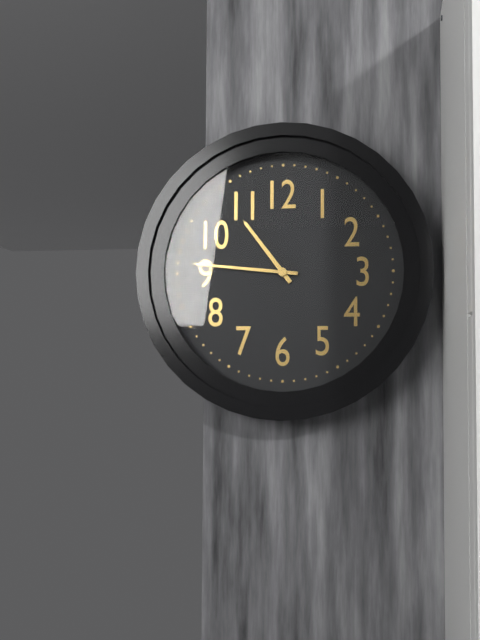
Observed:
{"hour": 10, "minute": 46}
